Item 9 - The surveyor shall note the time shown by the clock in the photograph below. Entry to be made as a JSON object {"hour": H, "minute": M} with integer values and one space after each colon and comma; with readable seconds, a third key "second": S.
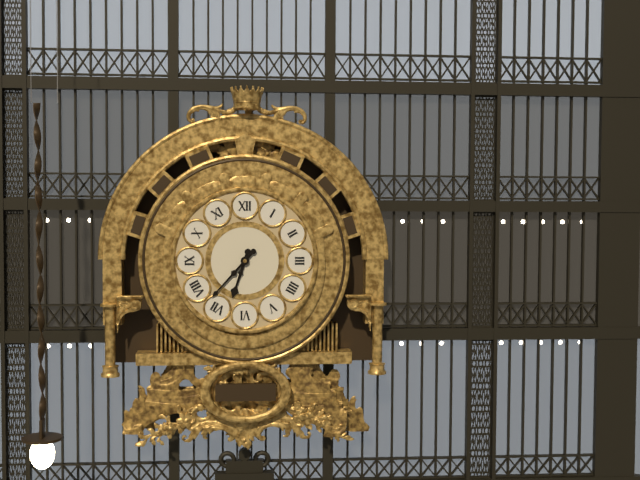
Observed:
{"hour": 6, "minute": 37}
